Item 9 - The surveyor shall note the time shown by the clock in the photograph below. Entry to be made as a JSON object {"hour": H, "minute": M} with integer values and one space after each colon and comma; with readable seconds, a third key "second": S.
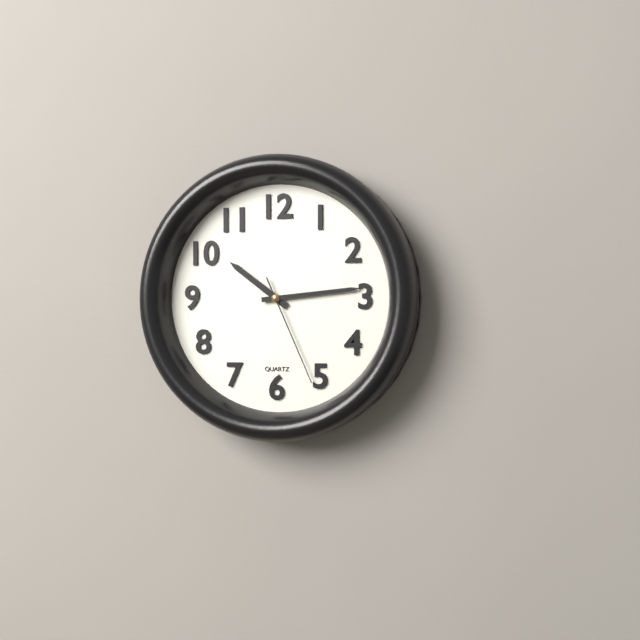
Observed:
{"hour": 10, "minute": 14, "second": 26}
